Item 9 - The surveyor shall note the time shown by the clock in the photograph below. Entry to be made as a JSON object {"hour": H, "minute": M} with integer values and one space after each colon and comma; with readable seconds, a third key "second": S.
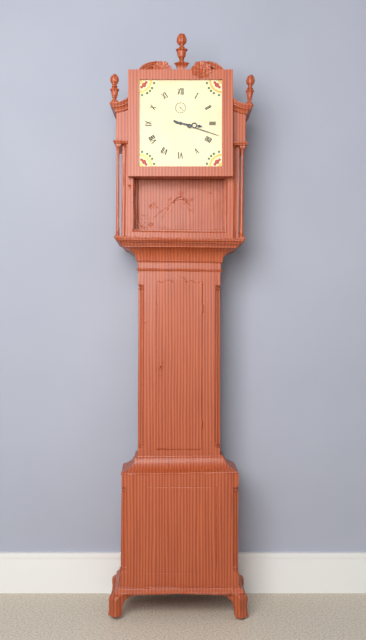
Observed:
{"hour": 3, "minute": 18}
